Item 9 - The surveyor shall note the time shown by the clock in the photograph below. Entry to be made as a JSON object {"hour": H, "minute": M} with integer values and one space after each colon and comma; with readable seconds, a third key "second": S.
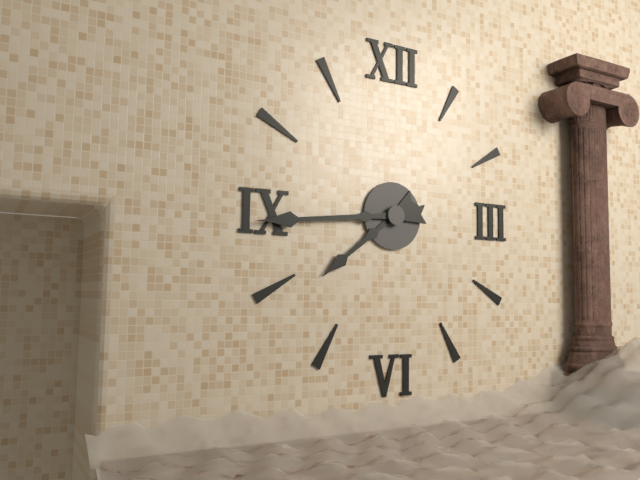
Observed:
{"hour": 7, "minute": 44}
